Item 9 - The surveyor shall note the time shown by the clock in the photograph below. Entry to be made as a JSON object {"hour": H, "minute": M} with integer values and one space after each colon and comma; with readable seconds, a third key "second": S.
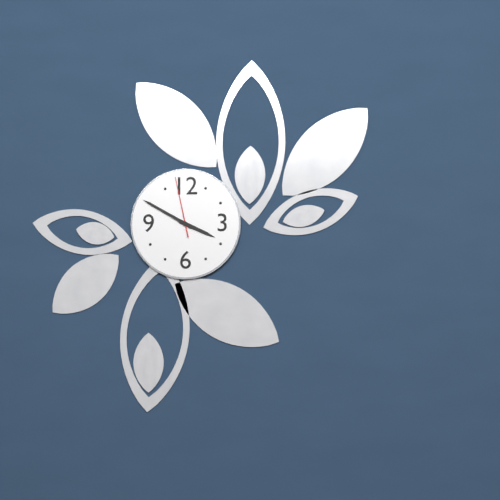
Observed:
{"hour": 3, "minute": 50, "second": 58}
